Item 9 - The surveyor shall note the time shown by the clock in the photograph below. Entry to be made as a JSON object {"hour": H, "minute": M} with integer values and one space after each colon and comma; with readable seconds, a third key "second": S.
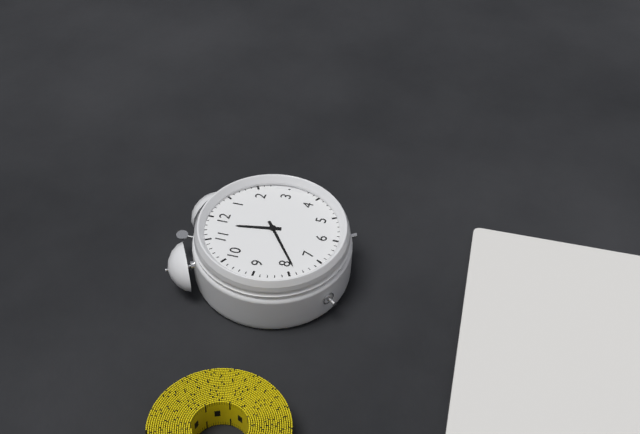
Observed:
{"hour": 11, "minute": 39}
